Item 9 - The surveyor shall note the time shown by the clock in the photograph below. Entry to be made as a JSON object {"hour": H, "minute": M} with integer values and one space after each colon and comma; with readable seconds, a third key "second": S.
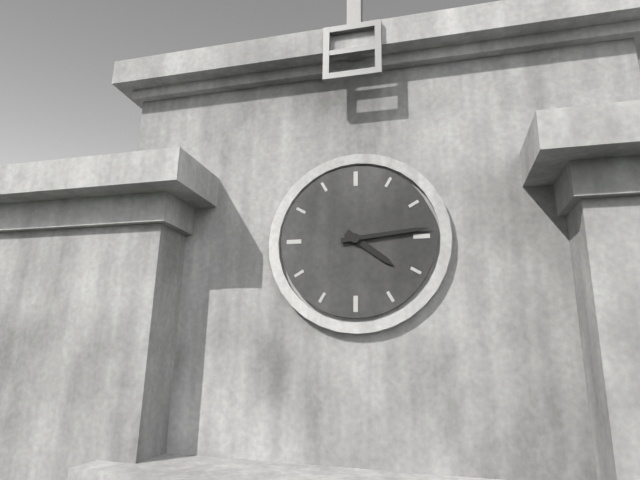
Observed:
{"hour": 4, "minute": 14}
